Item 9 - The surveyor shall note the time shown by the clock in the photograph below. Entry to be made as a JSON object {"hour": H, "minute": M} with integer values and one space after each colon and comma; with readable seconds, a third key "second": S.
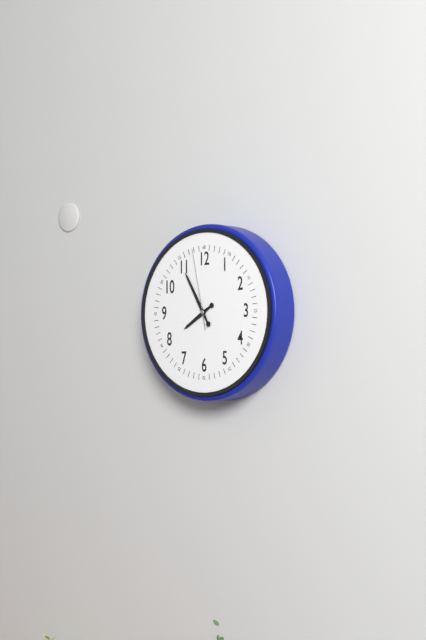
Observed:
{"hour": 7, "minute": 55, "second": 58}
